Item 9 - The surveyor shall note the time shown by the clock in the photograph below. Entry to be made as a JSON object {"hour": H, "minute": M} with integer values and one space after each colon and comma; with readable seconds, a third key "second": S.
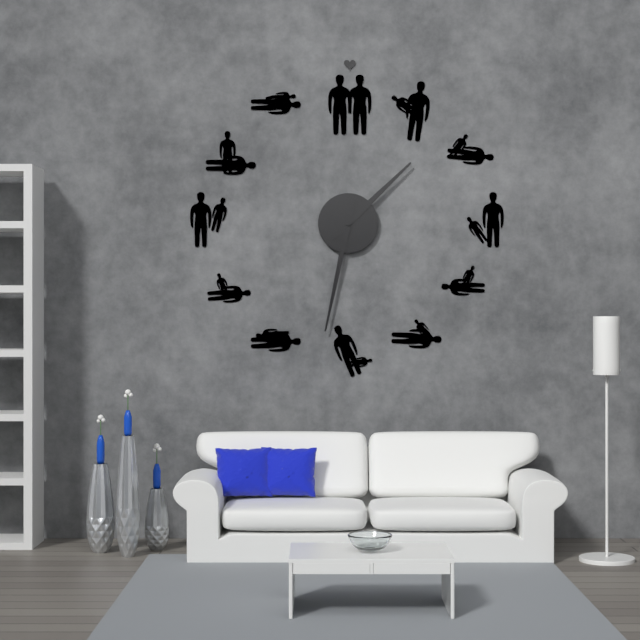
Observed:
{"hour": 1, "minute": 32}
